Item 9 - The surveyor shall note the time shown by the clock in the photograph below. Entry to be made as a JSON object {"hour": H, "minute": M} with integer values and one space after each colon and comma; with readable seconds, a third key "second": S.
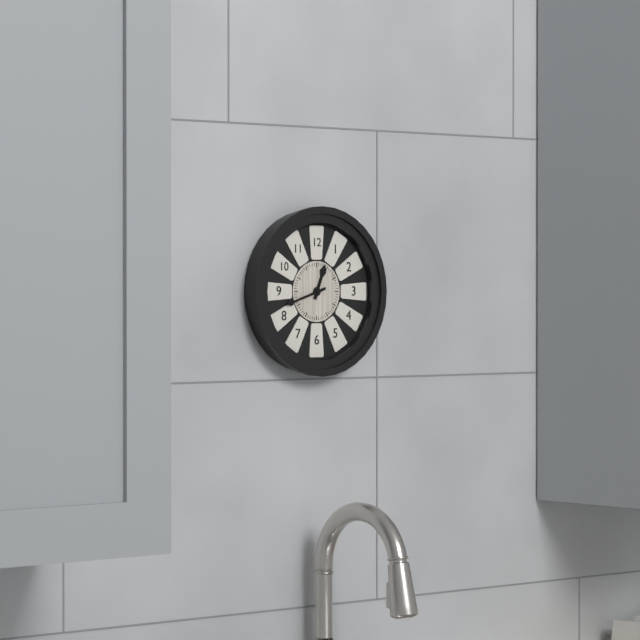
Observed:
{"hour": 12, "minute": 42}
